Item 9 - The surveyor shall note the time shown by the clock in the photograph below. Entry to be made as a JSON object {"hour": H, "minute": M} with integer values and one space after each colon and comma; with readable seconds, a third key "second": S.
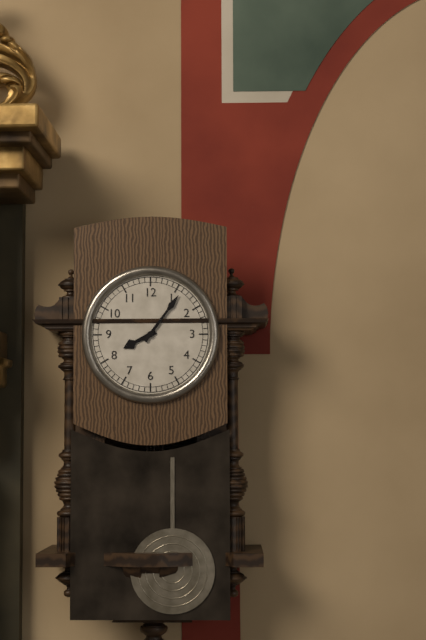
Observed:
{"hour": 8, "minute": 6}
